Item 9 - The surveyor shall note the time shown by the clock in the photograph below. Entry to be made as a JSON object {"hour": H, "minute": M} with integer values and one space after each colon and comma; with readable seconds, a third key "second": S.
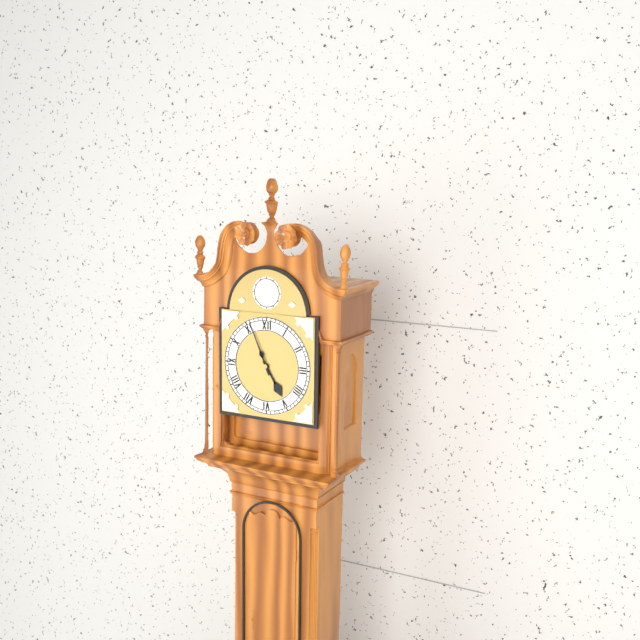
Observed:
{"hour": 4, "minute": 56}
